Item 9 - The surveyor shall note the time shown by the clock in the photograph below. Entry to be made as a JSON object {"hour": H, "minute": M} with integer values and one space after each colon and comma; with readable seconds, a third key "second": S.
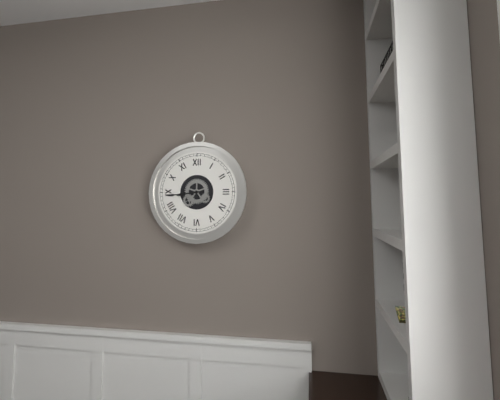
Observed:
{"hour": 8, "minute": 44}
